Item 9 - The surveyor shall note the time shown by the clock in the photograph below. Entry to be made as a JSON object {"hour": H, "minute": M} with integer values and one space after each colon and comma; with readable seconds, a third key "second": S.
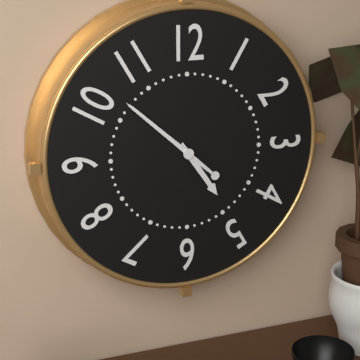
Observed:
{"hour": 4, "minute": 52}
